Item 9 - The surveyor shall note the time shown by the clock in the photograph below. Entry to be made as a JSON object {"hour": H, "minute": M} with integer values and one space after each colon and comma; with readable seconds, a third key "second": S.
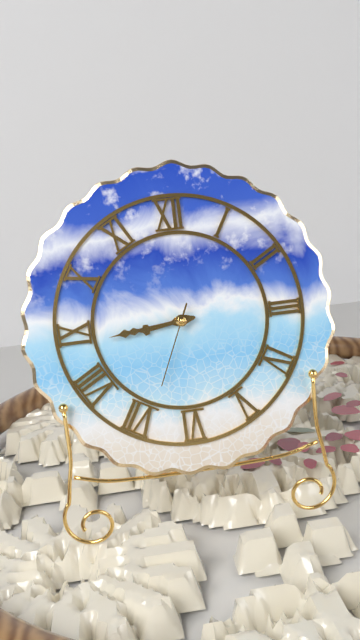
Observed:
{"hour": 8, "minute": 44, "second": 34}
